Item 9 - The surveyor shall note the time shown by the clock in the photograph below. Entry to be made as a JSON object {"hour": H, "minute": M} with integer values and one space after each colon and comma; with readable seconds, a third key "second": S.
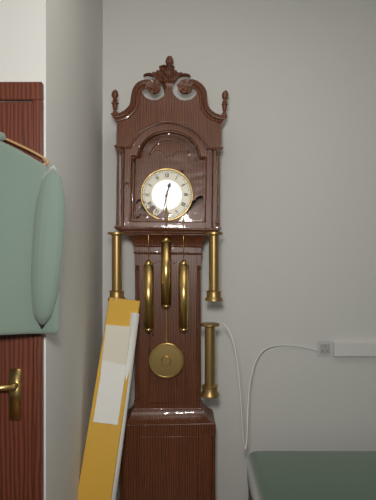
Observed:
{"hour": 12, "minute": 32}
